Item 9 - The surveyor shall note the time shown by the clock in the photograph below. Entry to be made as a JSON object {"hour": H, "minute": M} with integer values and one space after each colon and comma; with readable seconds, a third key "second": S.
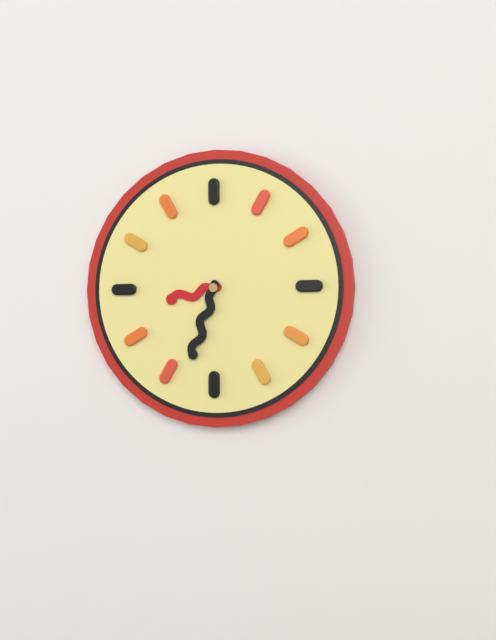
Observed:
{"hour": 8, "minute": 33}
